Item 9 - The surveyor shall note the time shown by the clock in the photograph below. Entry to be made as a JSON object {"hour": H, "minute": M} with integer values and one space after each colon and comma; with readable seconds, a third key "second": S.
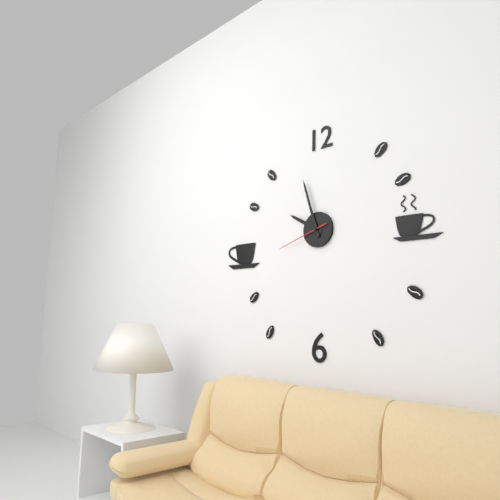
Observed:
{"hour": 9, "minute": 57, "second": 42}
